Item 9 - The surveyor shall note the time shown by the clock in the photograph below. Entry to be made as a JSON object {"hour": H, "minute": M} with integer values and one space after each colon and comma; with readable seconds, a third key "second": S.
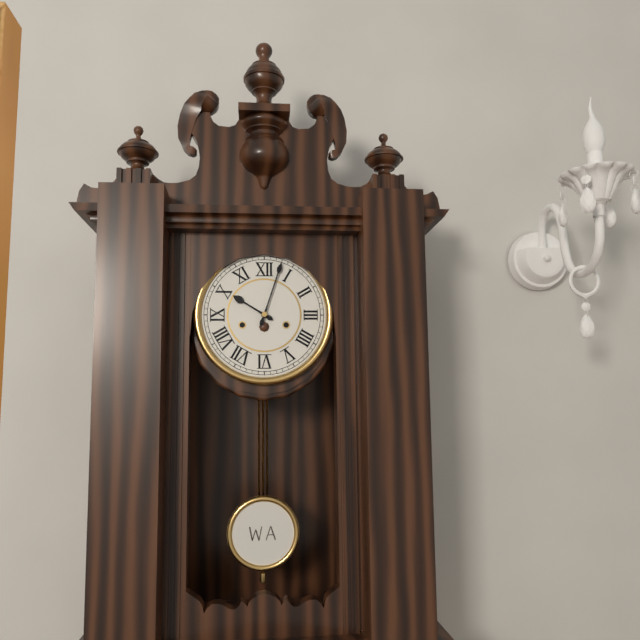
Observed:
{"hour": 10, "minute": 3}
